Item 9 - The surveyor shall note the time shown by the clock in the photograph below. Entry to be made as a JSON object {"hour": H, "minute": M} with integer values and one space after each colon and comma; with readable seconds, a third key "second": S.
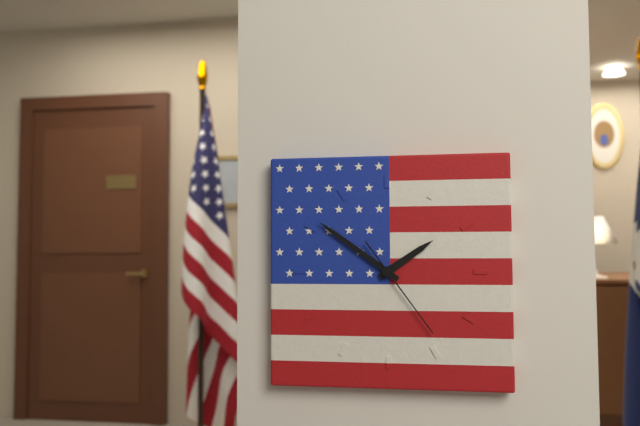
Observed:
{"hour": 1, "minute": 51, "second": 24}
